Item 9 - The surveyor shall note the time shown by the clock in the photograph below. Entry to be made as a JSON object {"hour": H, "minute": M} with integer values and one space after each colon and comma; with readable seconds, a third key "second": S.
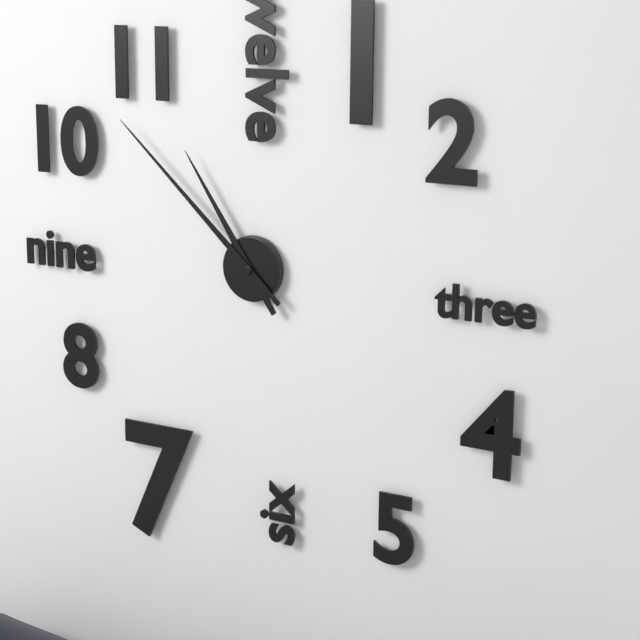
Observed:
{"hour": 10, "minute": 52}
